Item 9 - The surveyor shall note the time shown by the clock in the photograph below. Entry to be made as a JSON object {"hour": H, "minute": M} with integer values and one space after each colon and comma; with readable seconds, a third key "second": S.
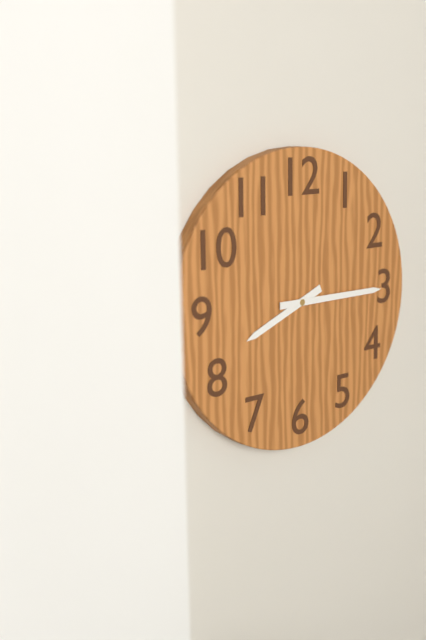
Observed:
{"hour": 8, "minute": 15}
